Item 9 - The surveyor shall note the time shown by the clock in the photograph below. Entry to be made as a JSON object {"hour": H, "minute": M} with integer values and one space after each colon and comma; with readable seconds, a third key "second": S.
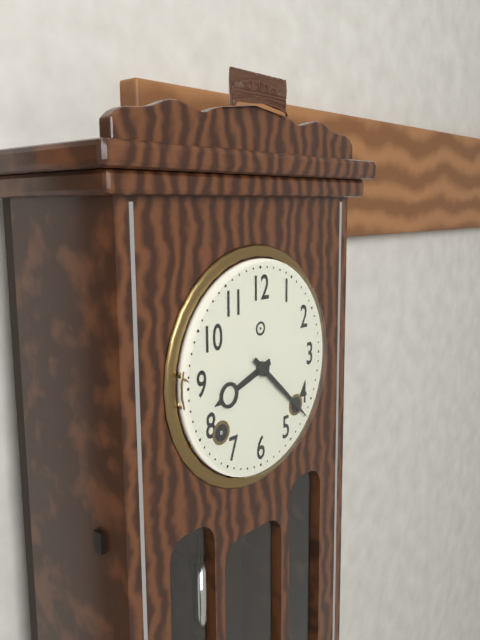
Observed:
{"hour": 8, "minute": 22}
